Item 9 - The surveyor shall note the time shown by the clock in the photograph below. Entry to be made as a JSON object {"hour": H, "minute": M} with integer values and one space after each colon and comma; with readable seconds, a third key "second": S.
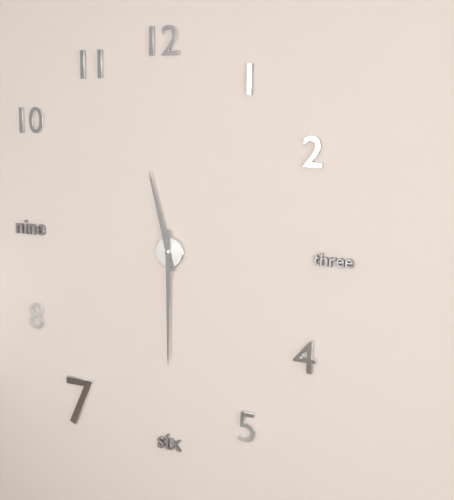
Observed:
{"hour": 11, "minute": 30}
